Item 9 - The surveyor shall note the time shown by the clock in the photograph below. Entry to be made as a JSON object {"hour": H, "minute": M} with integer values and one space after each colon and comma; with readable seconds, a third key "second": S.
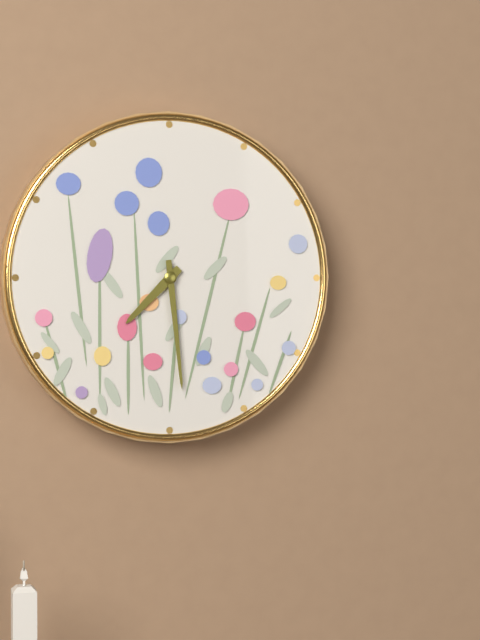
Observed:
{"hour": 7, "minute": 29}
